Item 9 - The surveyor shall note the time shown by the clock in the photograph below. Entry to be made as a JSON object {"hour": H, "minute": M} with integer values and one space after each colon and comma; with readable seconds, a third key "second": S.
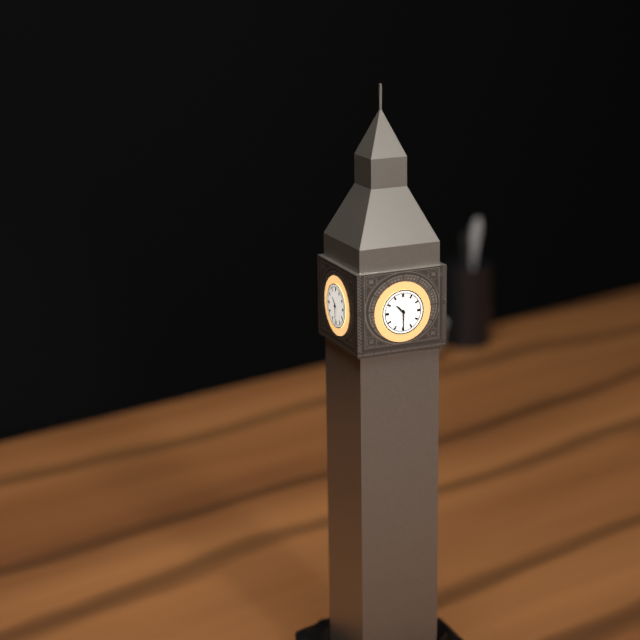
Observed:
{"hour": 10, "minute": 30}
